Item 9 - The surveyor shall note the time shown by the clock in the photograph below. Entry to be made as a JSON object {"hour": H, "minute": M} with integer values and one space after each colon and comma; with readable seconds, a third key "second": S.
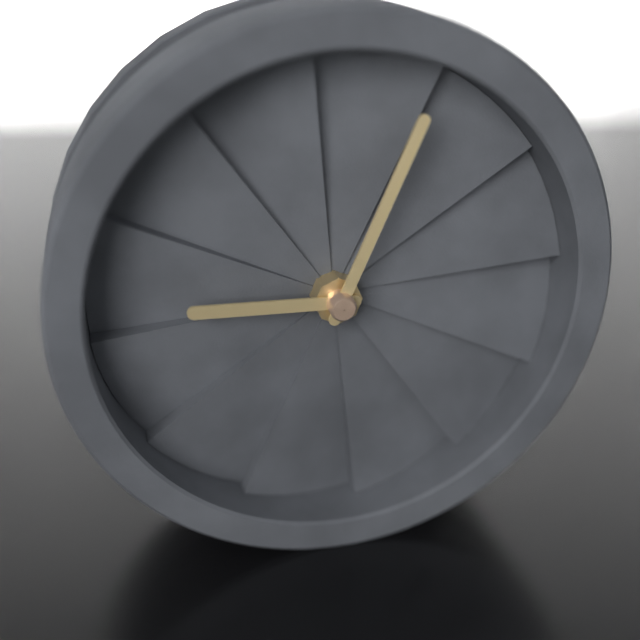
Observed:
{"hour": 9, "minute": 4}
